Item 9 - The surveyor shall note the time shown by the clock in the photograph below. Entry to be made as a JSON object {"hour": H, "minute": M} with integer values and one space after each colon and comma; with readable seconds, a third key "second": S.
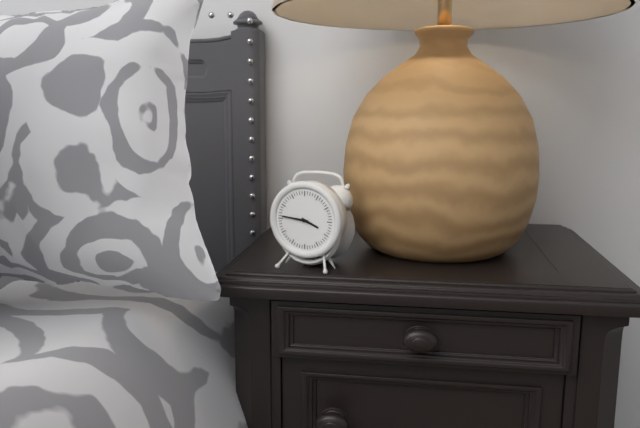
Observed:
{"hour": 3, "minute": 46}
